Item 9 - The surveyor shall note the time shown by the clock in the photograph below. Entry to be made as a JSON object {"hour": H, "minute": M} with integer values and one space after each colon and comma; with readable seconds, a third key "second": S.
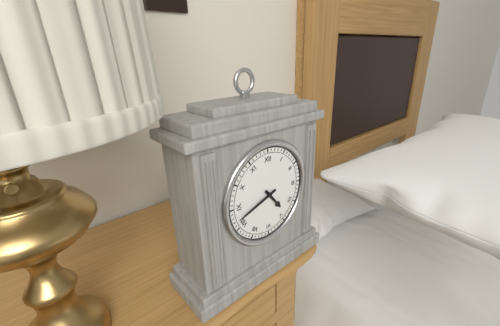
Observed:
{"hour": 4, "minute": 42}
